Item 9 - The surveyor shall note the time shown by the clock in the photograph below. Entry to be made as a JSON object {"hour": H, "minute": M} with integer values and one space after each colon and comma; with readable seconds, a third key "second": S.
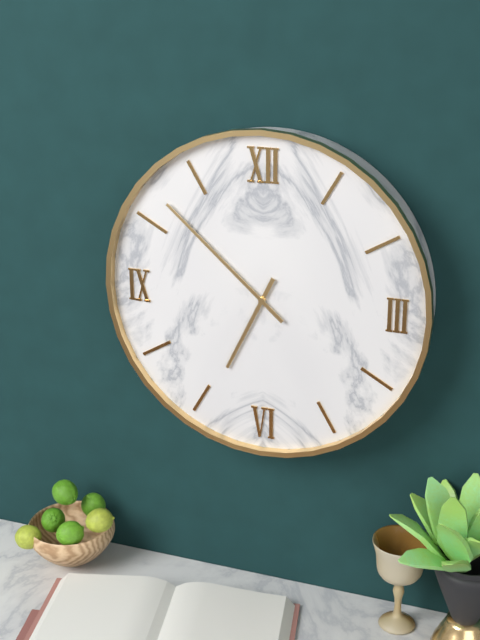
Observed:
{"hour": 6, "minute": 52}
